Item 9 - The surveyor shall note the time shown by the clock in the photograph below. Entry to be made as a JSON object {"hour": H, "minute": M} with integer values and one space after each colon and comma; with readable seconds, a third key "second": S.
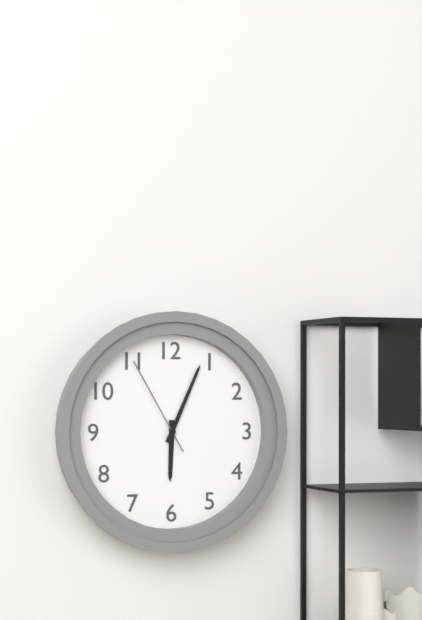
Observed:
{"hour": 6, "minute": 4, "second": 55}
